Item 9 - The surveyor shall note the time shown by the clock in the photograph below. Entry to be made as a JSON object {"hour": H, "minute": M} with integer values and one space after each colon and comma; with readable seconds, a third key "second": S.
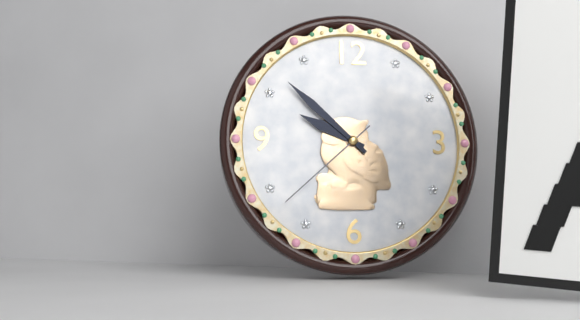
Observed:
{"hour": 9, "minute": 52, "second": 38}
